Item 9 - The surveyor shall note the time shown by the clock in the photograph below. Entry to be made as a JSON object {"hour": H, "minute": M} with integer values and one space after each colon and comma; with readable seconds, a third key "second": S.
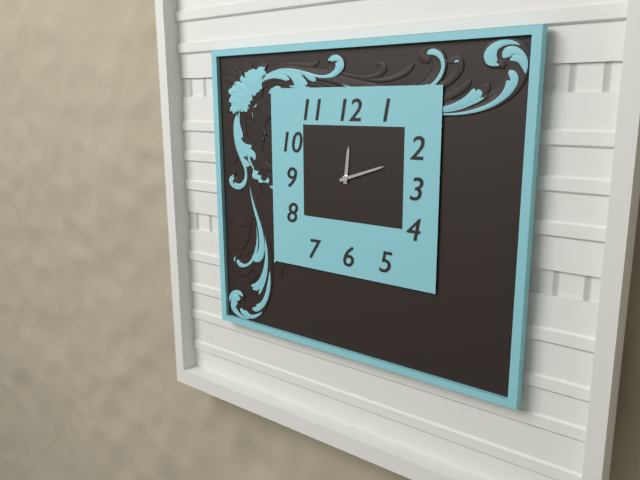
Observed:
{"hour": 12, "minute": 12}
